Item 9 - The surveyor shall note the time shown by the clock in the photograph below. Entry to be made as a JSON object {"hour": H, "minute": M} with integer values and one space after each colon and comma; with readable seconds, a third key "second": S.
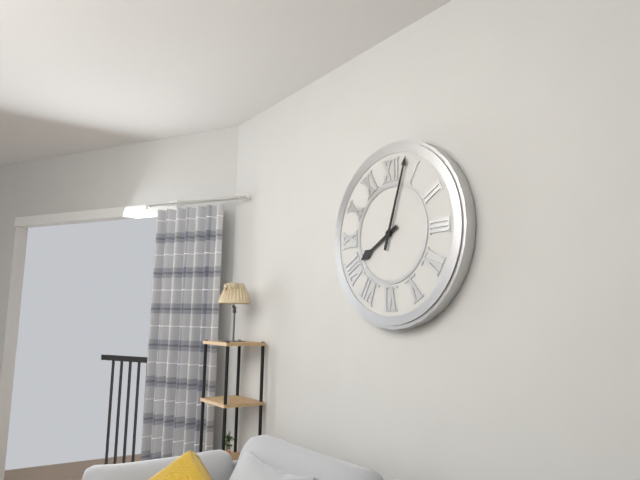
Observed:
{"hour": 8, "minute": 3}
